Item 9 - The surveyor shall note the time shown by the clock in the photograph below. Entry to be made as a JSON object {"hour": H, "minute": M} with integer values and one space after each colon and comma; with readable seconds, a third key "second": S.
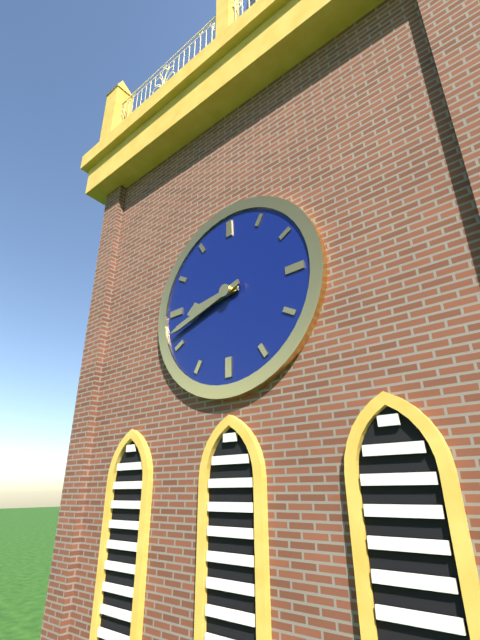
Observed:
{"hour": 8, "minute": 42}
